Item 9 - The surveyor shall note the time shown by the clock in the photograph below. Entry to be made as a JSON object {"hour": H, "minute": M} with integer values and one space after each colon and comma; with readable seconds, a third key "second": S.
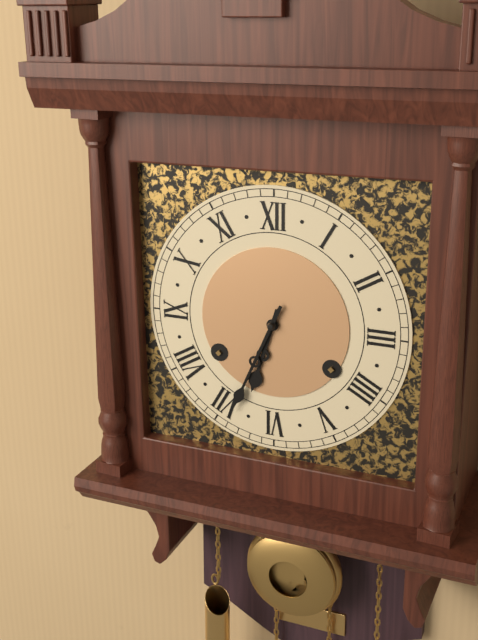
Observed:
{"hour": 6, "minute": 34}
